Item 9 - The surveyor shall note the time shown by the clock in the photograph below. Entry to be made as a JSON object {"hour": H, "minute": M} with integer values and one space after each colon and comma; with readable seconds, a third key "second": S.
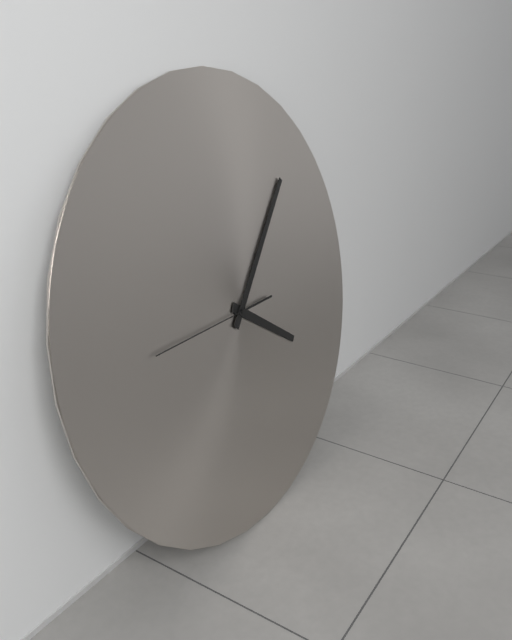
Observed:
{"hour": 4, "minute": 7, "second": 45}
